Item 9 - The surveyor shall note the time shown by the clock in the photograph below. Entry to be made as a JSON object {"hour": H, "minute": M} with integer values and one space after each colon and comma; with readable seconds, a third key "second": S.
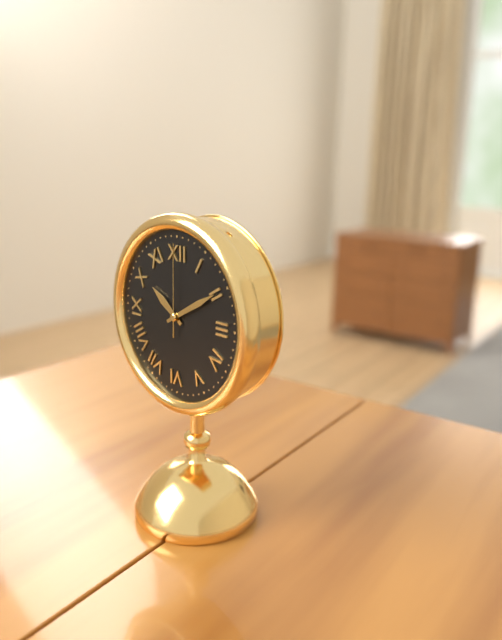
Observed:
{"hour": 10, "minute": 10, "second": 0}
